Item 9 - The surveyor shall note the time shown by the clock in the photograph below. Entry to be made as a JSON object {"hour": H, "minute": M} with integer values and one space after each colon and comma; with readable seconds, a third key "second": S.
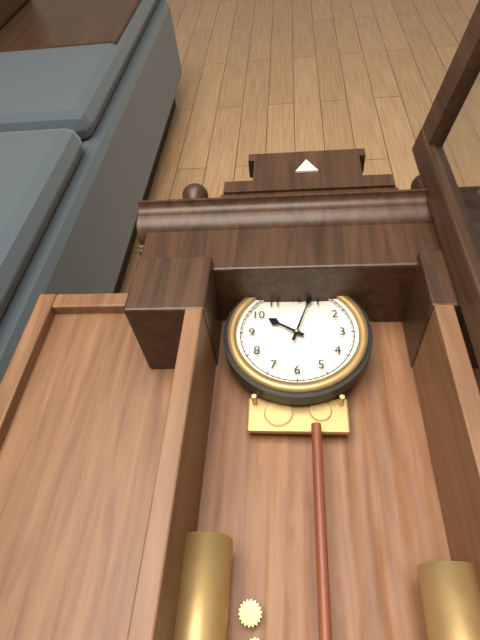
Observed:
{"hour": 10, "minute": 3}
